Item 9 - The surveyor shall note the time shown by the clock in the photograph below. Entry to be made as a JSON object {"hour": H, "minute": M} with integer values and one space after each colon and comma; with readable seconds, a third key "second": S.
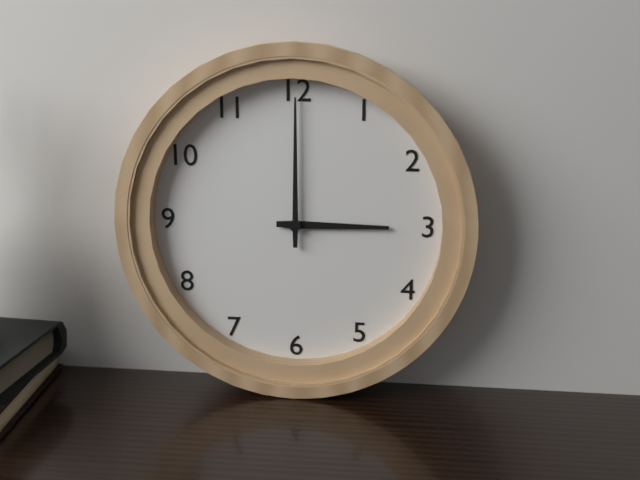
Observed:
{"hour": 3, "minute": 0}
